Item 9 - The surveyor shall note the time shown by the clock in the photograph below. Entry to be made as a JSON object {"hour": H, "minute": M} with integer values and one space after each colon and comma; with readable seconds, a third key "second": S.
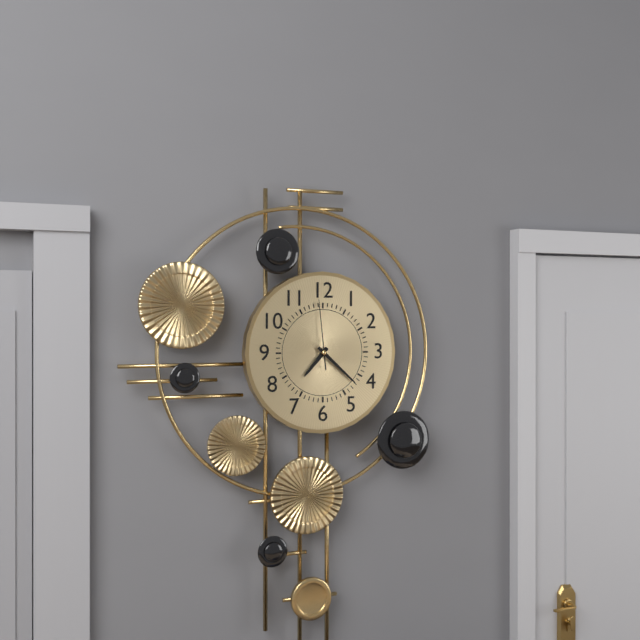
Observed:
{"hour": 7, "minute": 22, "second": 59}
